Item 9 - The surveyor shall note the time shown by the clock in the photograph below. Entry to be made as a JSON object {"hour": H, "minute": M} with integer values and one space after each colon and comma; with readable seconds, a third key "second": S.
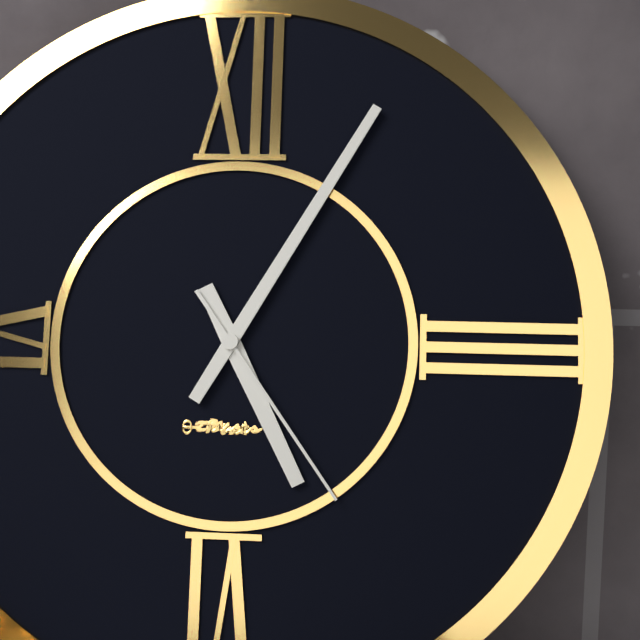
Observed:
{"hour": 5, "minute": 5, "second": 24}
